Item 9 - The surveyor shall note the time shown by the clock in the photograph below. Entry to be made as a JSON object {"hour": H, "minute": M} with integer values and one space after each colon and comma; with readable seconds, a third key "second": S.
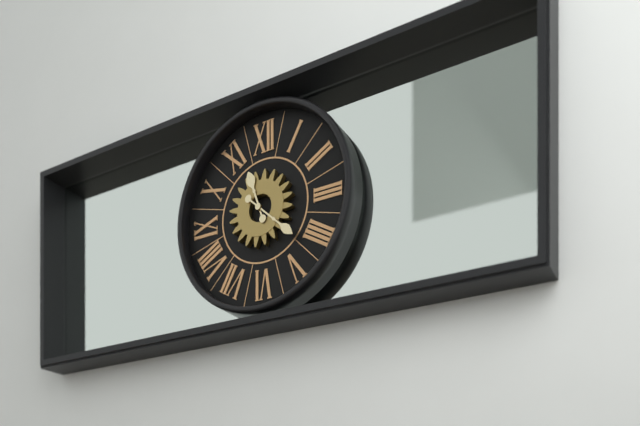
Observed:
{"hour": 11, "minute": 22}
